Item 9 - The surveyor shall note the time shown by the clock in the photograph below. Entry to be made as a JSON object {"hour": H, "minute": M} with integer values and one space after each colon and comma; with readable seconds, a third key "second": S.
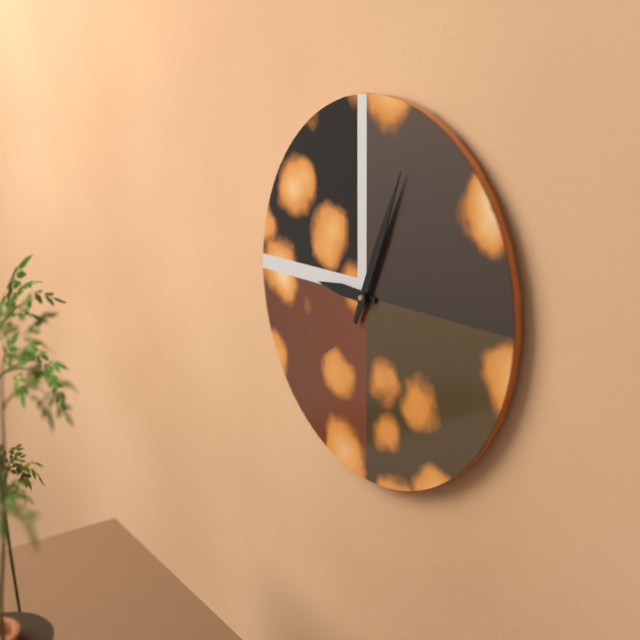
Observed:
{"hour": 9, "minute": 4}
